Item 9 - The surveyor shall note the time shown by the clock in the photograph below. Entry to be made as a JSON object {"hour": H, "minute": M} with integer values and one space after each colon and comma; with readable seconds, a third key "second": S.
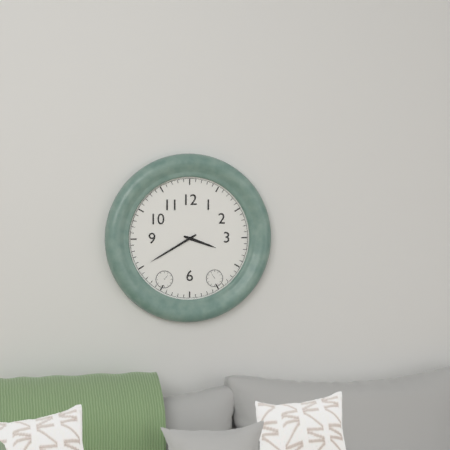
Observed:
{"hour": 3, "minute": 40}
